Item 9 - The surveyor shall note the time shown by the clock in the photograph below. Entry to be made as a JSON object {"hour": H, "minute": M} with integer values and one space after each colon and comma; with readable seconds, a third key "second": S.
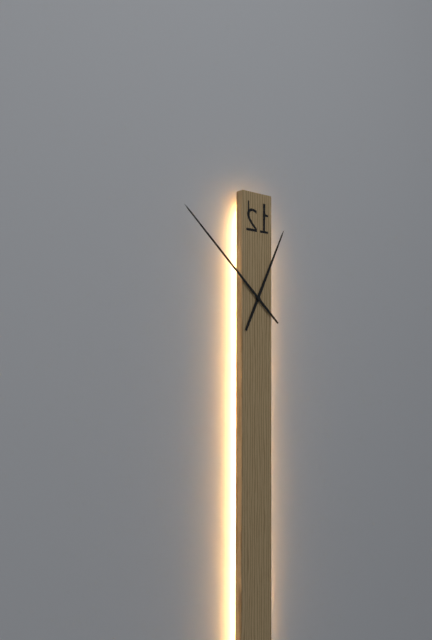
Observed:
{"hour": 12, "minute": 52}
